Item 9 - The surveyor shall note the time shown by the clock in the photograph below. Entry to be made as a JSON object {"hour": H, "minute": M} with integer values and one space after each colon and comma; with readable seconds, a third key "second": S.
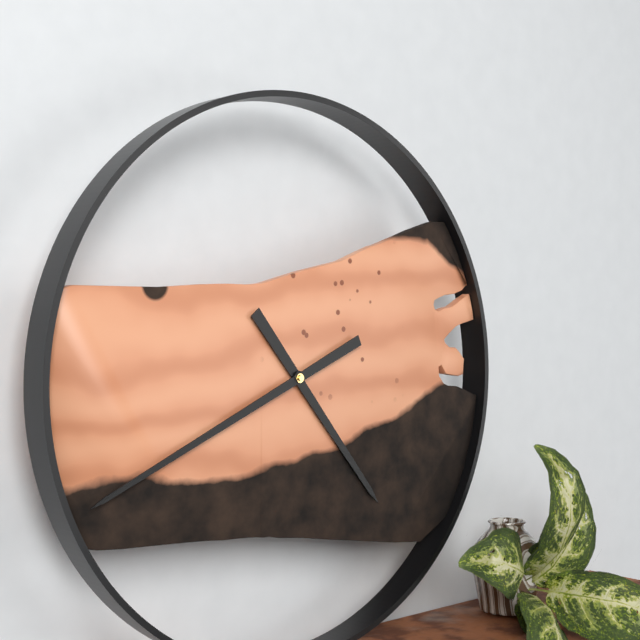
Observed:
{"hour": 4, "minute": 41}
